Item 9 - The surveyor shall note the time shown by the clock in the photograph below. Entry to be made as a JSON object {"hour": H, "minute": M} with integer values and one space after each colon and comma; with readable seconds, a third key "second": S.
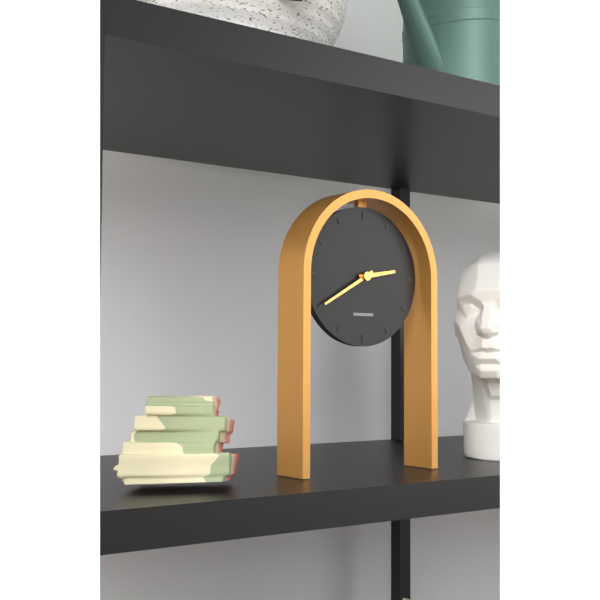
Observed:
{"hour": 2, "minute": 40}
